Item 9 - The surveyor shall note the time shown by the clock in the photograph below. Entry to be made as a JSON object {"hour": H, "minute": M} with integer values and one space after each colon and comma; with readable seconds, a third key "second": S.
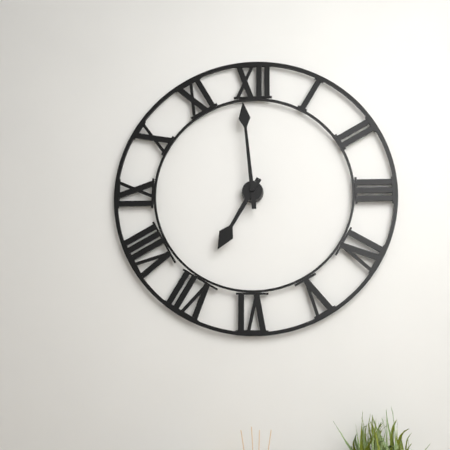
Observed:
{"hour": 6, "minute": 59}
